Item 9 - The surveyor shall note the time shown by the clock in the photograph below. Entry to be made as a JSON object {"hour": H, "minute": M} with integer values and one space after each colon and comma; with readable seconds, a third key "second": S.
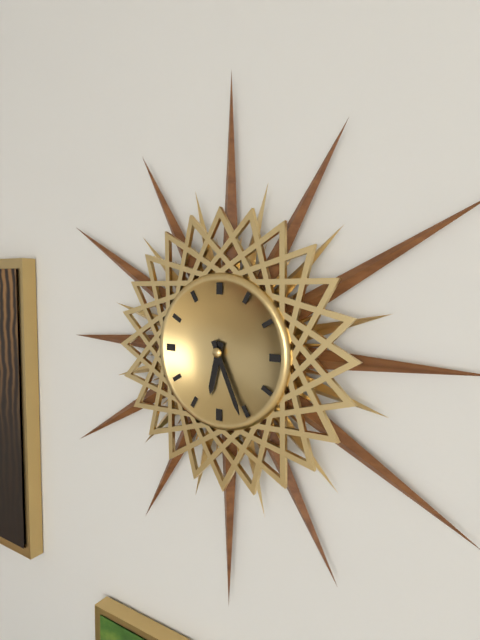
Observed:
{"hour": 6, "minute": 26}
